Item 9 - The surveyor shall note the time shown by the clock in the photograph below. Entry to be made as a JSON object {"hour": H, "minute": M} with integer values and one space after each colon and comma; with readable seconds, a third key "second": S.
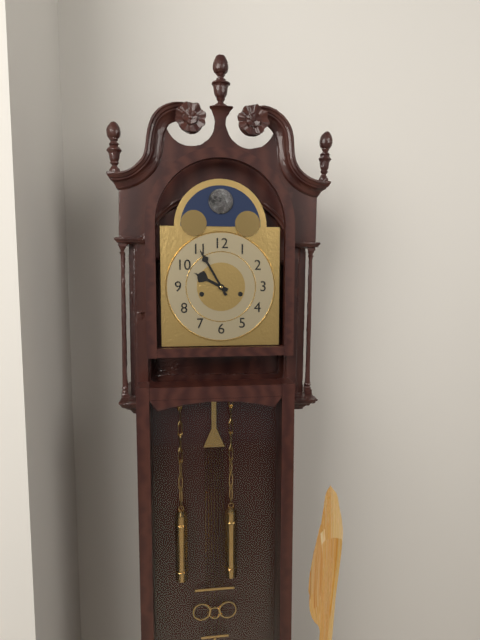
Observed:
{"hour": 9, "minute": 55}
